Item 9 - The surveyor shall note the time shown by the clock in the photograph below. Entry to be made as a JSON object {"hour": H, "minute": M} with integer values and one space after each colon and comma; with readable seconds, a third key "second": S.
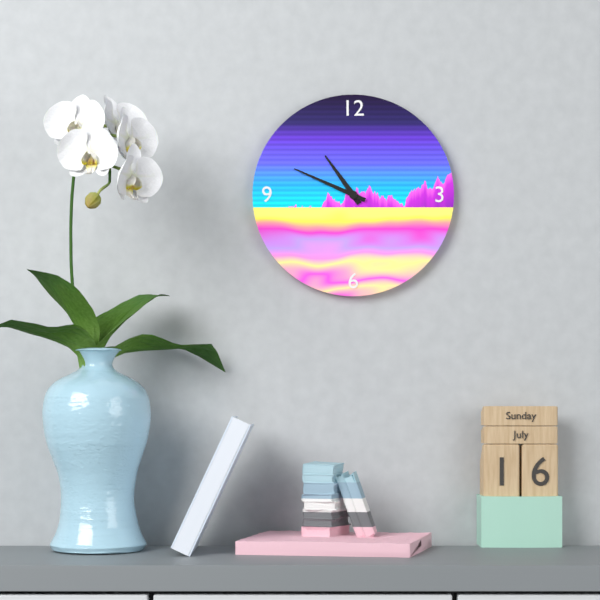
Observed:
{"hour": 10, "minute": 49}
